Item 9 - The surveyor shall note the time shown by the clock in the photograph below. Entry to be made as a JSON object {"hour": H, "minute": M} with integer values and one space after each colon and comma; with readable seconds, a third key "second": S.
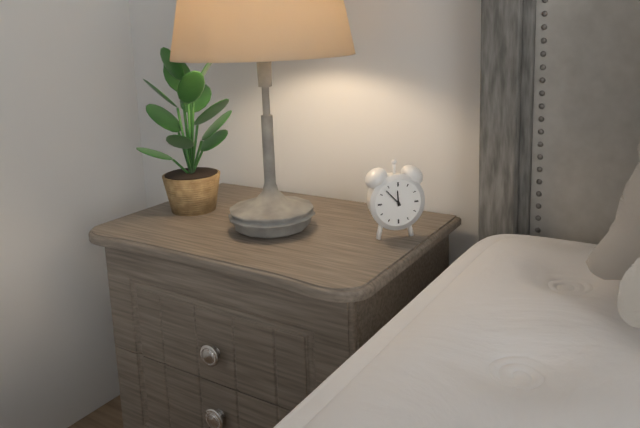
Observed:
{"hour": 11, "minute": 53}
